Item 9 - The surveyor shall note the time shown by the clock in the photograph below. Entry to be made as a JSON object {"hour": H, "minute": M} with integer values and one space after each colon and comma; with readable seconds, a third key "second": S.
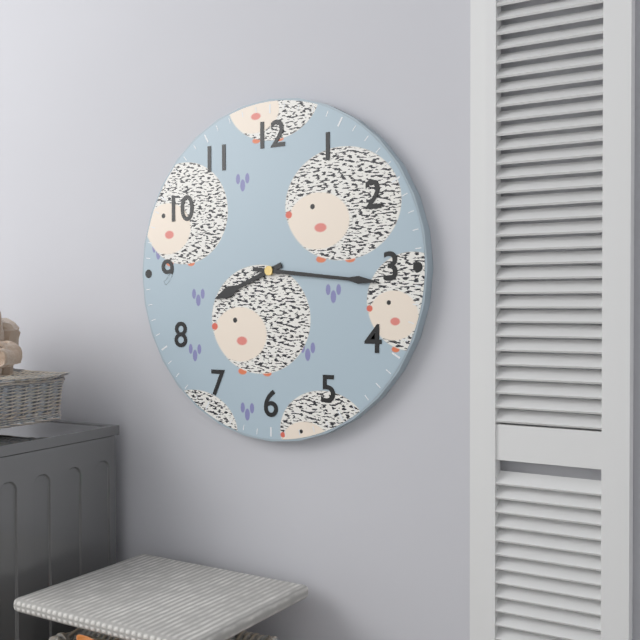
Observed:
{"hour": 8, "minute": 16}
